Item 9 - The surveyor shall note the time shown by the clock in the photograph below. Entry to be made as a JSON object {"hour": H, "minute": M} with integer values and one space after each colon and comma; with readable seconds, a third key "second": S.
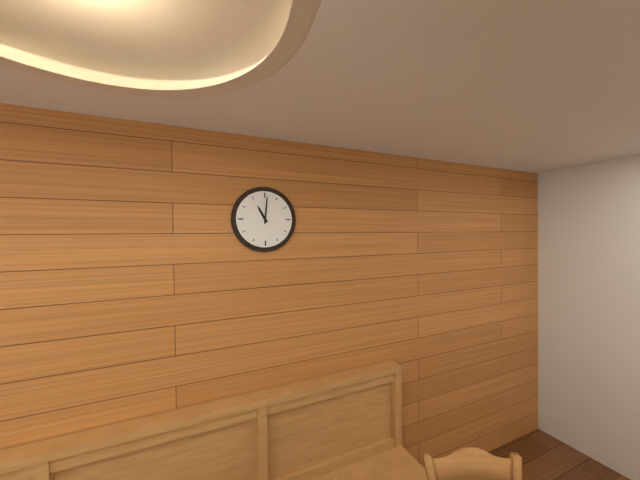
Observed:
{"hour": 11, "minute": 1}
